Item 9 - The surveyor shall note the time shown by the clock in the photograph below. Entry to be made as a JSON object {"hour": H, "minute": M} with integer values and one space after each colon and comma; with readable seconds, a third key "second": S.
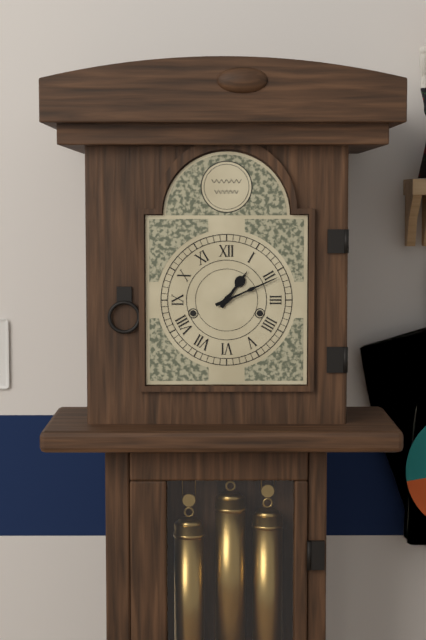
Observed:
{"hour": 1, "minute": 11}
